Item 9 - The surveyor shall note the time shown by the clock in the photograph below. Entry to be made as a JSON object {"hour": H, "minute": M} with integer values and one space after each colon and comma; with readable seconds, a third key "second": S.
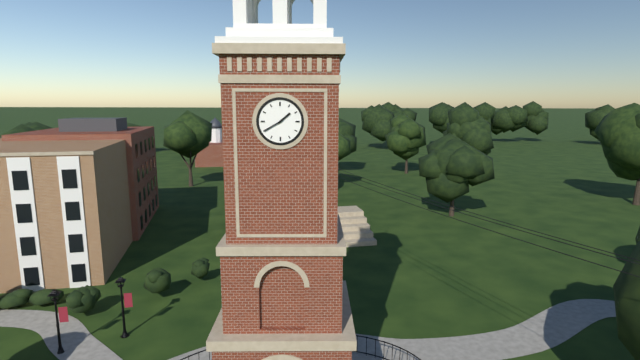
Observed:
{"hour": 1, "minute": 40}
